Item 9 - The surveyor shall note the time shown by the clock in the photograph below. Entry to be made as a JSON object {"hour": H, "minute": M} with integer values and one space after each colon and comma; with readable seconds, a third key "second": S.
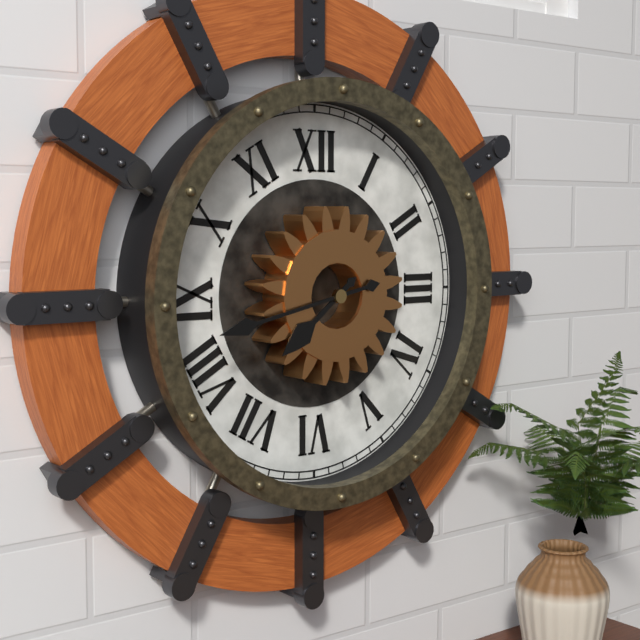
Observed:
{"hour": 7, "minute": 43}
